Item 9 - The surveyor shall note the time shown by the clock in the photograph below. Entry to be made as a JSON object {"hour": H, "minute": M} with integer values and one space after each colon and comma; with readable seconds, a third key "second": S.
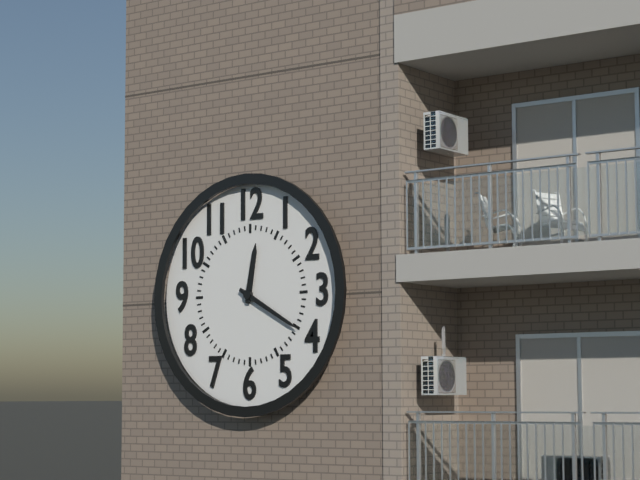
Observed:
{"hour": 12, "minute": 20}
